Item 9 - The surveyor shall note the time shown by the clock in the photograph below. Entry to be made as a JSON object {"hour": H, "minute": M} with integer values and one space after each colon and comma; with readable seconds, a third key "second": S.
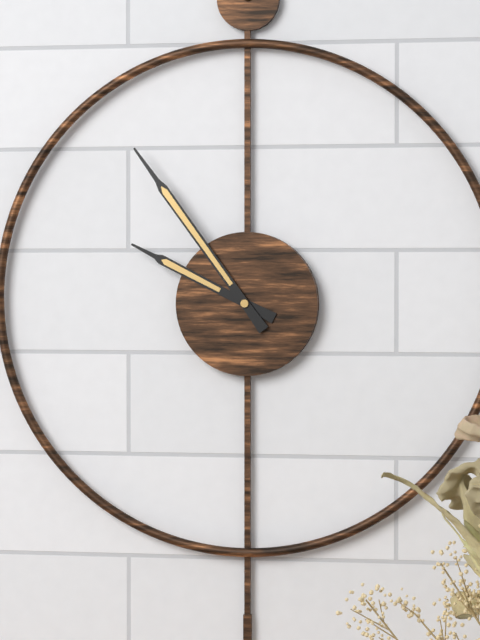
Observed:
{"hour": 9, "minute": 54}
